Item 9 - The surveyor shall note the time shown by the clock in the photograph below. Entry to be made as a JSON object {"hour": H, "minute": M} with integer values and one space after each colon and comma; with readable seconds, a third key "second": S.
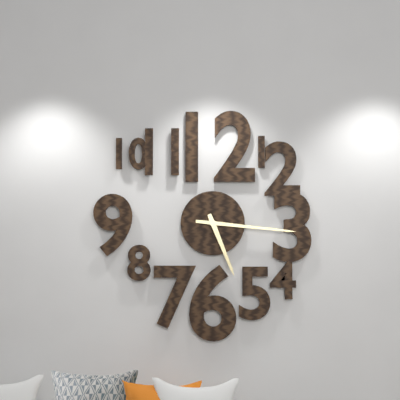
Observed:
{"hour": 5, "minute": 16}
